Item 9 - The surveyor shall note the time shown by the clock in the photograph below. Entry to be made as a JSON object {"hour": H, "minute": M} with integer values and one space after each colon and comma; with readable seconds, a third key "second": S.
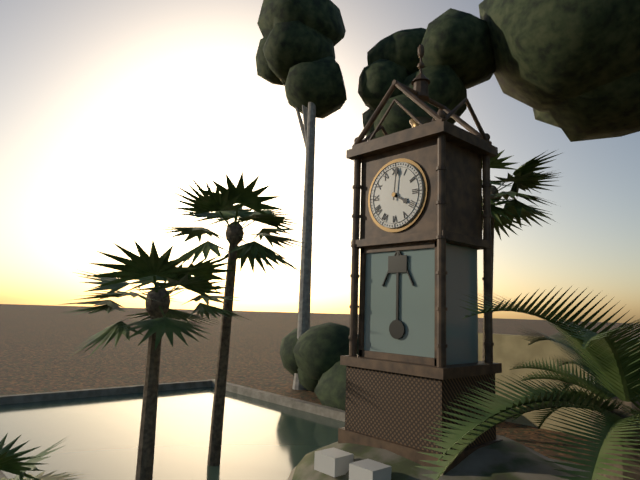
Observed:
{"hour": 4, "minute": 1}
